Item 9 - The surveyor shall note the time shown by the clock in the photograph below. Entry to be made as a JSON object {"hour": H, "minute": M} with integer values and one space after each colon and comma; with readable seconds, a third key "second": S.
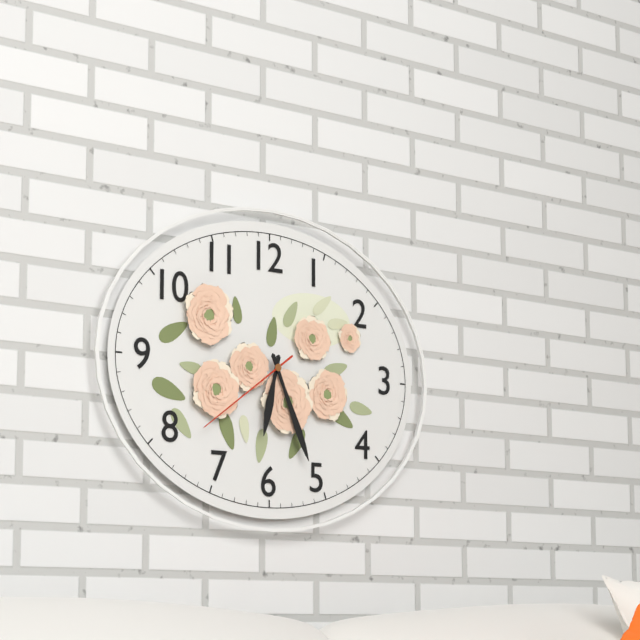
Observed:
{"hour": 6, "minute": 26, "second": 39}
